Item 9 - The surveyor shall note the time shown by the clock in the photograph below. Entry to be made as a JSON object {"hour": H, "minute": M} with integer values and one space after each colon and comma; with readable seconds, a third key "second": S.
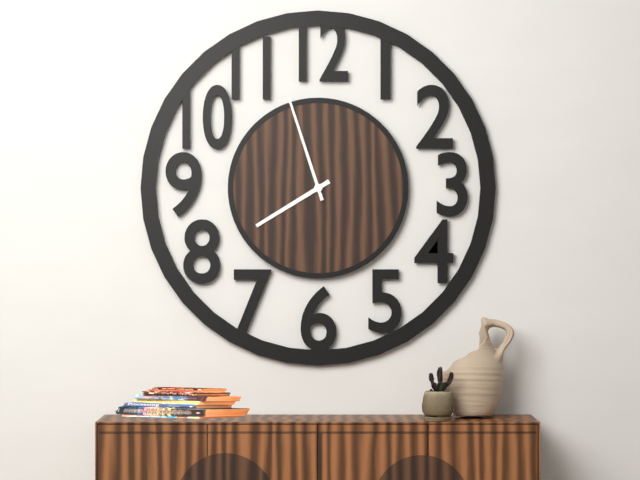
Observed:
{"hour": 7, "minute": 57}
